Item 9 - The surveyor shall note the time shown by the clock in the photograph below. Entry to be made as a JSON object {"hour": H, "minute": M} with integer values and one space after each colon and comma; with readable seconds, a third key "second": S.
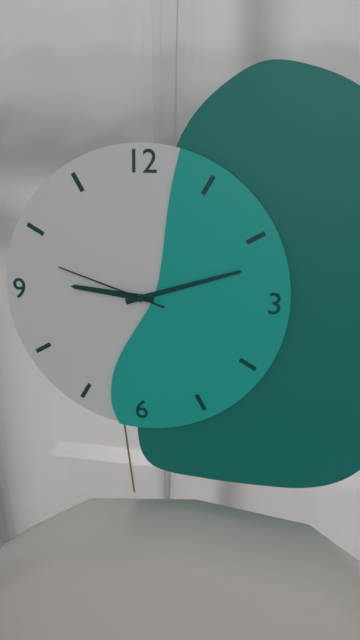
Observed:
{"hour": 9, "minute": 12, "second": 48}
